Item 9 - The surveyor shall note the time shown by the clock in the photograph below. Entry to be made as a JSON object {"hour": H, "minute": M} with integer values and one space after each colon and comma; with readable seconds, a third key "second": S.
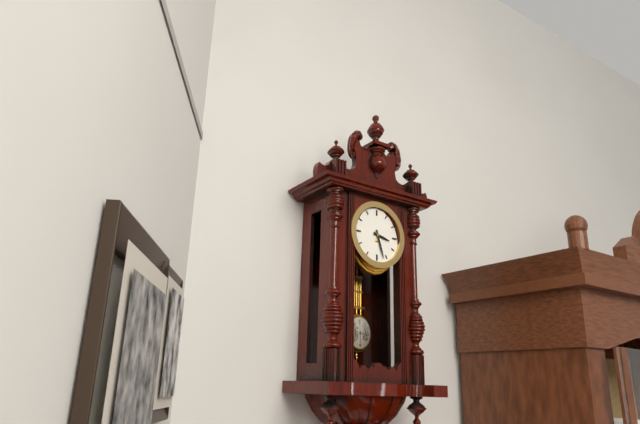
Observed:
{"hour": 3, "minute": 27}
